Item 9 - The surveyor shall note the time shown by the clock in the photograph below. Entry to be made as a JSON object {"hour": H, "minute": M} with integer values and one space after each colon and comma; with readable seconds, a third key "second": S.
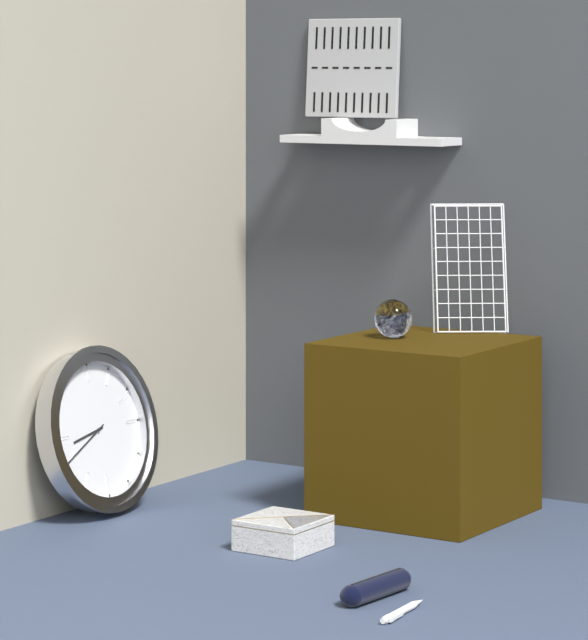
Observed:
{"hour": 8, "minute": 41}
